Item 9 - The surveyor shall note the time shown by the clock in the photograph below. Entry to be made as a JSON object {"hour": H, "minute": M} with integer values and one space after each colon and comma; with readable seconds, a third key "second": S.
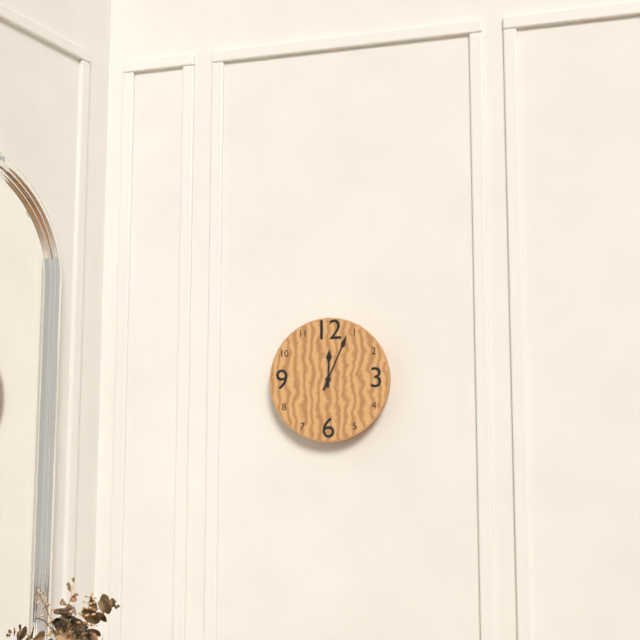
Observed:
{"hour": 12, "minute": 4}
